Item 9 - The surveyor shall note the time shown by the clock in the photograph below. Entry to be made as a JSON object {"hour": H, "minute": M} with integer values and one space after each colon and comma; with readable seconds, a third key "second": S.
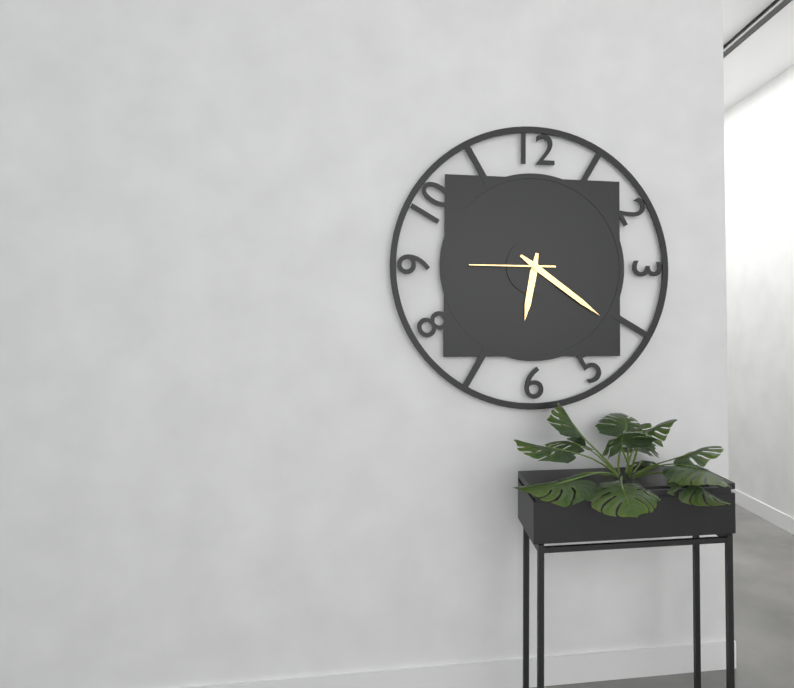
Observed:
{"hour": 6, "minute": 21, "second": 45}
